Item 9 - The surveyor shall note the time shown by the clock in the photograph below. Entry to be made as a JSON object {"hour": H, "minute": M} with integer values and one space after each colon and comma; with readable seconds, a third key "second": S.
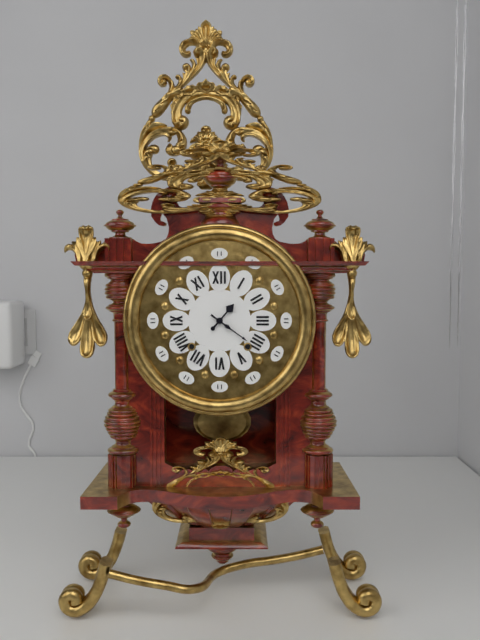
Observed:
{"hour": 1, "minute": 21}
